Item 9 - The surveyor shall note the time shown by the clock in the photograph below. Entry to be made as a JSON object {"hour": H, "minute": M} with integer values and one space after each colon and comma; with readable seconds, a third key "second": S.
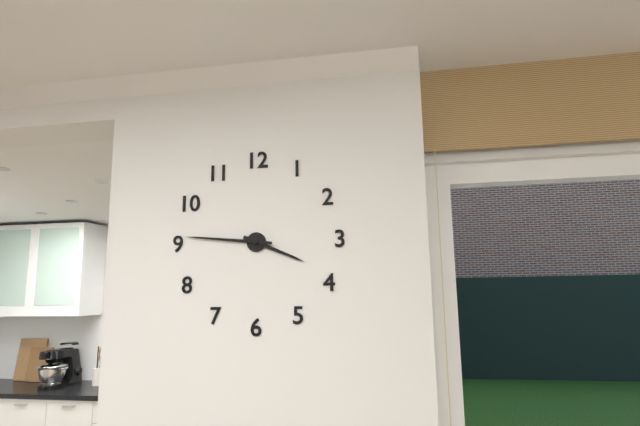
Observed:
{"hour": 3, "minute": 46}
